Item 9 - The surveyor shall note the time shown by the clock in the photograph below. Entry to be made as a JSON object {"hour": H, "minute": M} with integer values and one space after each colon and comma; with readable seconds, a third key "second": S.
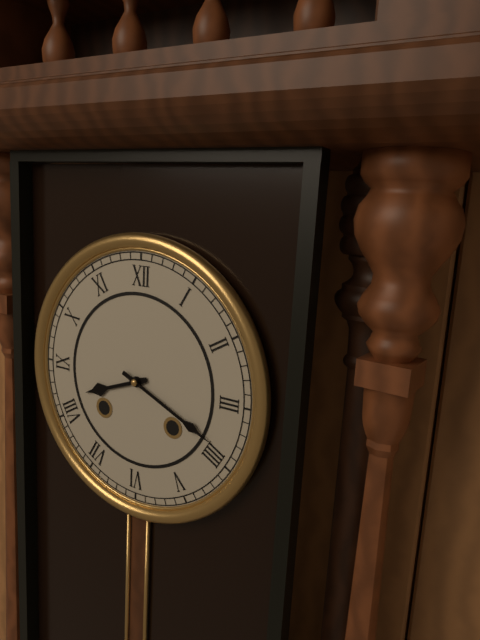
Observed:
{"hour": 8, "minute": 19}
